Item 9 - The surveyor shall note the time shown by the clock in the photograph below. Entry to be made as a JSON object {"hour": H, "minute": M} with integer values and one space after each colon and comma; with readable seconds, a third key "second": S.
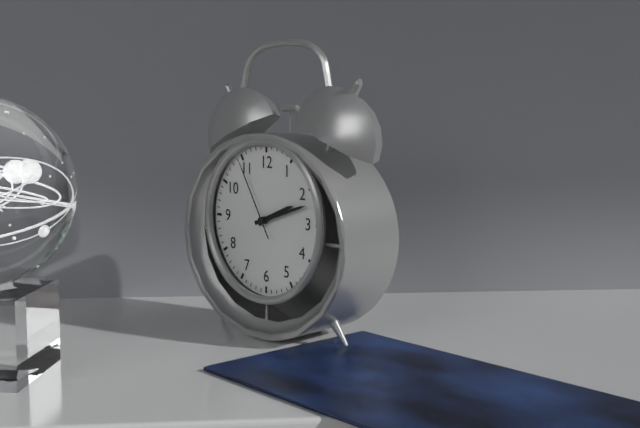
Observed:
{"hour": 2, "minute": 12, "second": 55}
